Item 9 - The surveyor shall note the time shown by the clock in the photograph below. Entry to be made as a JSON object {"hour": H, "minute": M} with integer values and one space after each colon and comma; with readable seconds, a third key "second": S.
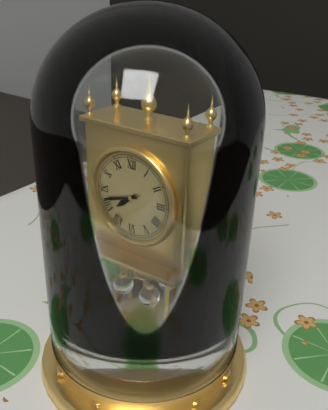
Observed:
{"hour": 7, "minute": 42}
